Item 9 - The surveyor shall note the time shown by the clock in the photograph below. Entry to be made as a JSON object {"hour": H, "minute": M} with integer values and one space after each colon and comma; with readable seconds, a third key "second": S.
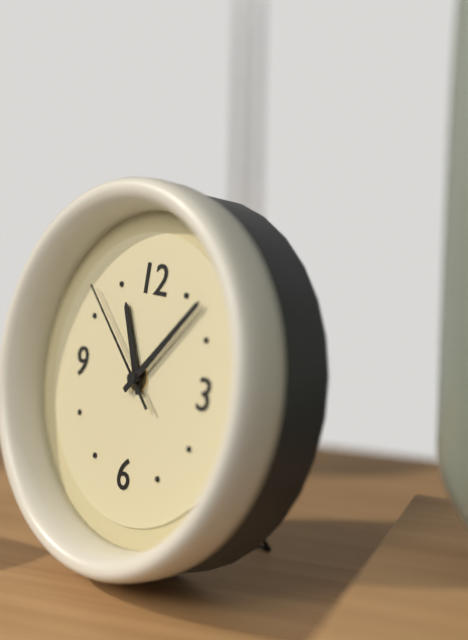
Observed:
{"hour": 11, "minute": 7, "second": 52}
